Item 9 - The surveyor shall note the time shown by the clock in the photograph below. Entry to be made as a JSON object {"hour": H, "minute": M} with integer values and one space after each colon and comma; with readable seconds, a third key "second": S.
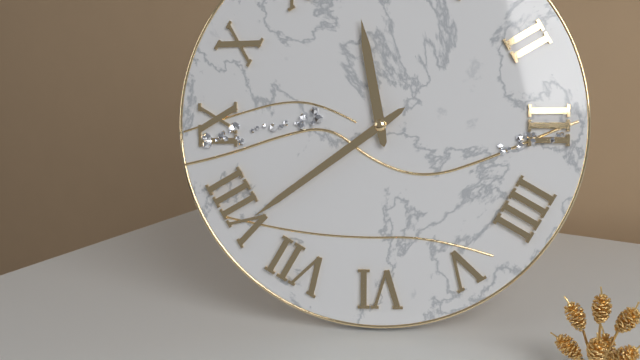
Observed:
{"hour": 11, "minute": 39}
